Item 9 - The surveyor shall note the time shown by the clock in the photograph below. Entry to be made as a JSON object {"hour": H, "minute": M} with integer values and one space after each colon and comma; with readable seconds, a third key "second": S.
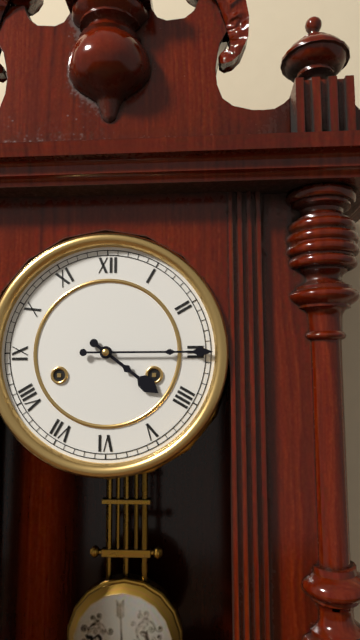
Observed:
{"hour": 4, "minute": 15}
